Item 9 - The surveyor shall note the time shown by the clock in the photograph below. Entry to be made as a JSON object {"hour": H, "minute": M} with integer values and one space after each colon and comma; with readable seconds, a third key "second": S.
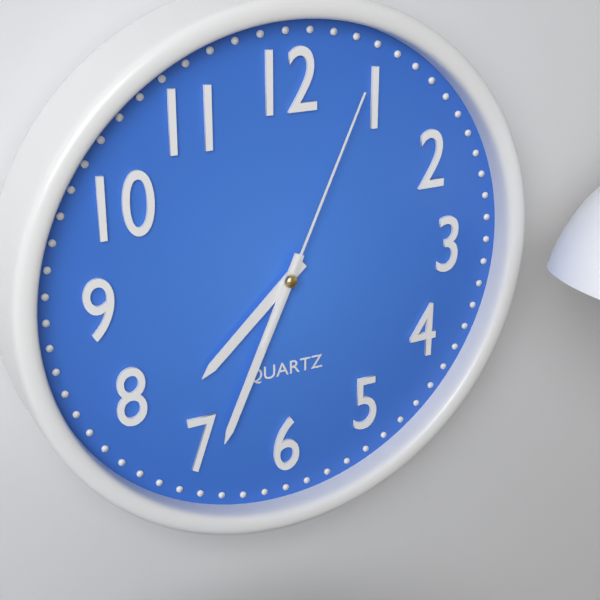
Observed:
{"hour": 7, "minute": 34, "second": 4}
